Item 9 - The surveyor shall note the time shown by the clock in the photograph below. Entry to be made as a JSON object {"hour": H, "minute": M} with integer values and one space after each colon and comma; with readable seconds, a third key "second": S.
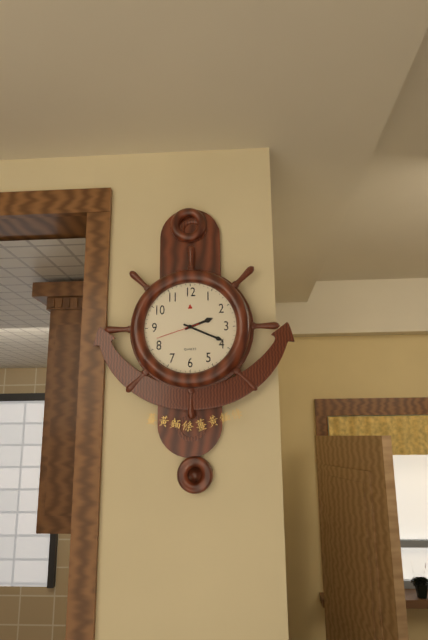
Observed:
{"hour": 2, "minute": 19}
